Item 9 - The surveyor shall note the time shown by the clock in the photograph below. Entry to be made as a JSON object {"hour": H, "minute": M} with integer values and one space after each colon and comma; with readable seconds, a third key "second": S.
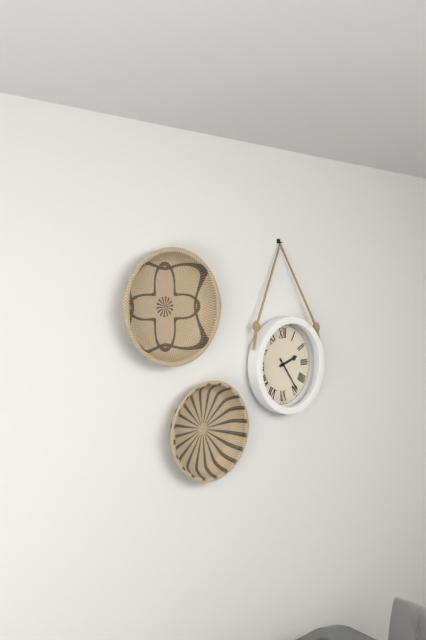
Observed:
{"hour": 2, "minute": 24}
